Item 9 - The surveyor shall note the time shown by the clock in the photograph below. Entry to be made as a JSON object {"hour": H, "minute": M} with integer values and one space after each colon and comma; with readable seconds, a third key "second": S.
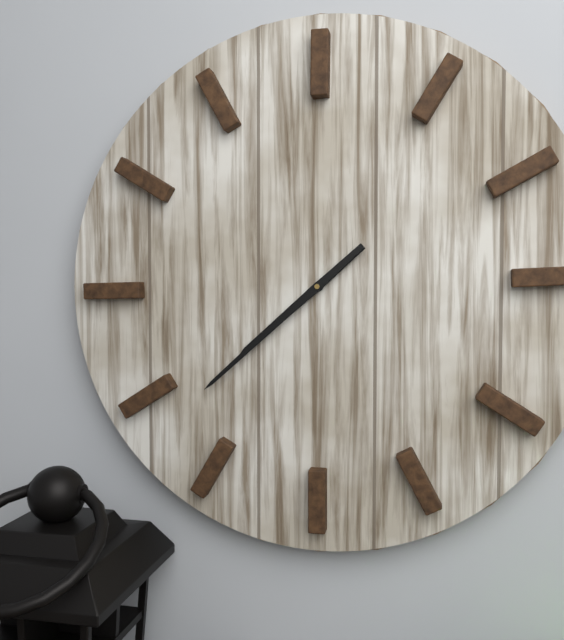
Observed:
{"hour": 7, "minute": 38}
